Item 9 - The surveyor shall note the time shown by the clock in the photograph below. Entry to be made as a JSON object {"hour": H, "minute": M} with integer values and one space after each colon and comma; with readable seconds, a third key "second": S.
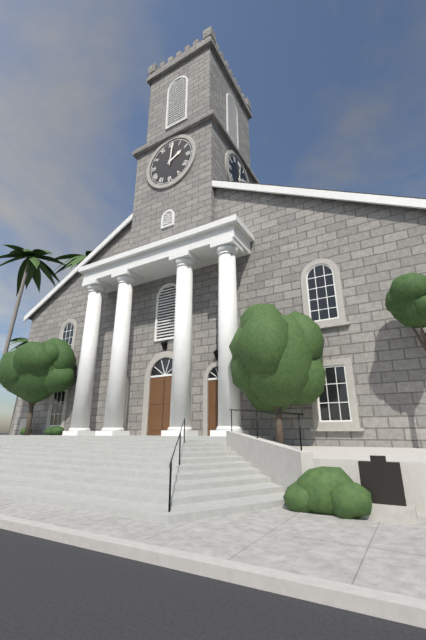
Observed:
{"hour": 2, "minute": 1}
